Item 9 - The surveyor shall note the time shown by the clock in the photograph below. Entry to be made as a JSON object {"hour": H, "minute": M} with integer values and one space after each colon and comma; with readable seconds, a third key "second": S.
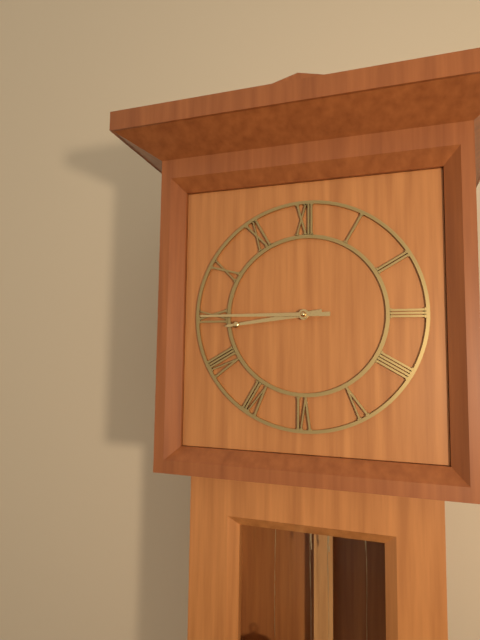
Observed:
{"hour": 8, "minute": 45}
